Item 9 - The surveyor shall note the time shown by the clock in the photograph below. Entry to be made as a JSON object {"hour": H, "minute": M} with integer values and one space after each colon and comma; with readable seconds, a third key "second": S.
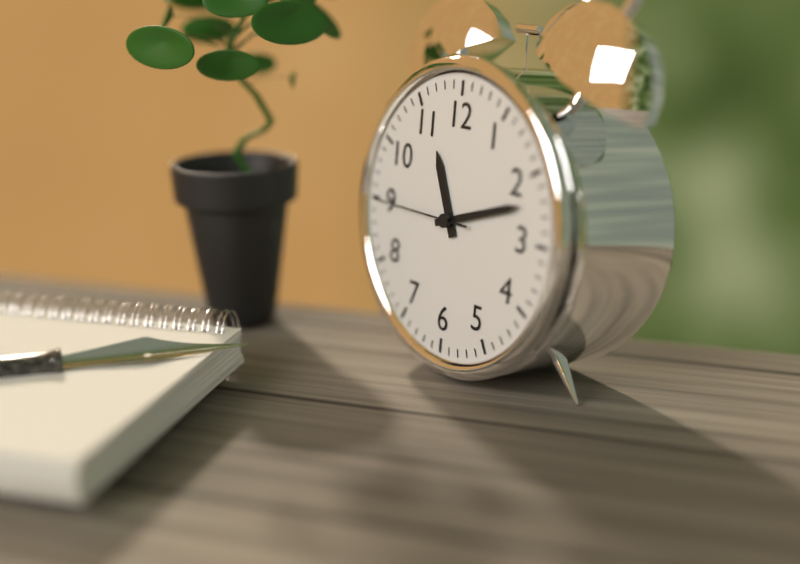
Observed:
{"hour": 11, "minute": 12, "second": 45}
